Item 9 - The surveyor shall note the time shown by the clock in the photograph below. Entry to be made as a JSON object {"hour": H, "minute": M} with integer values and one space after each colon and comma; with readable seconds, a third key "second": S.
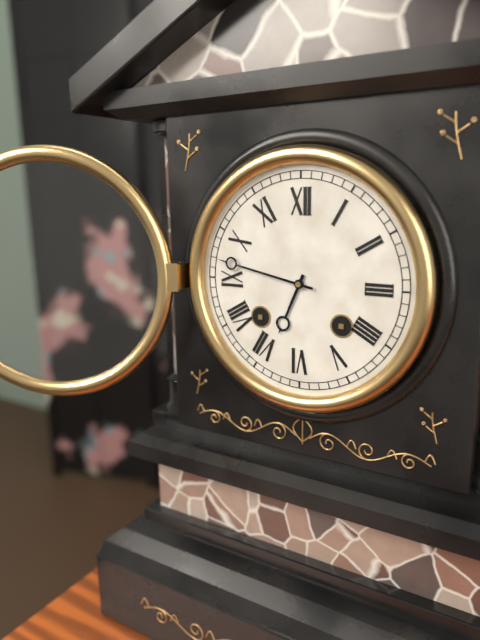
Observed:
{"hour": 6, "minute": 47}
